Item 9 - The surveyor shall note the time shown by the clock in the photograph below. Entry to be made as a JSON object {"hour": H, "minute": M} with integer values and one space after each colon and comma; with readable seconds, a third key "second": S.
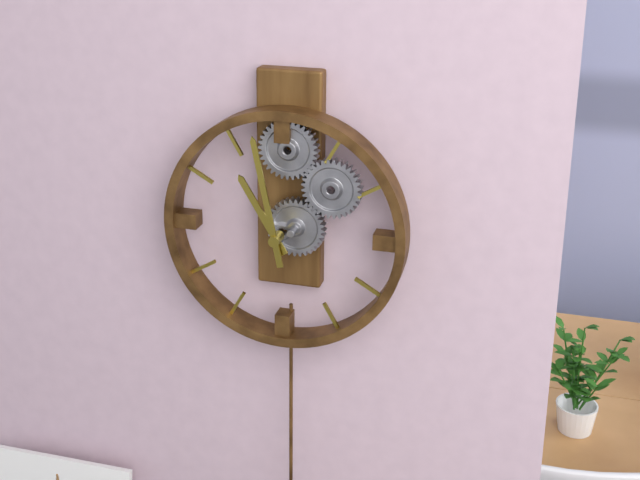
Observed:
{"hour": 10, "minute": 58}
